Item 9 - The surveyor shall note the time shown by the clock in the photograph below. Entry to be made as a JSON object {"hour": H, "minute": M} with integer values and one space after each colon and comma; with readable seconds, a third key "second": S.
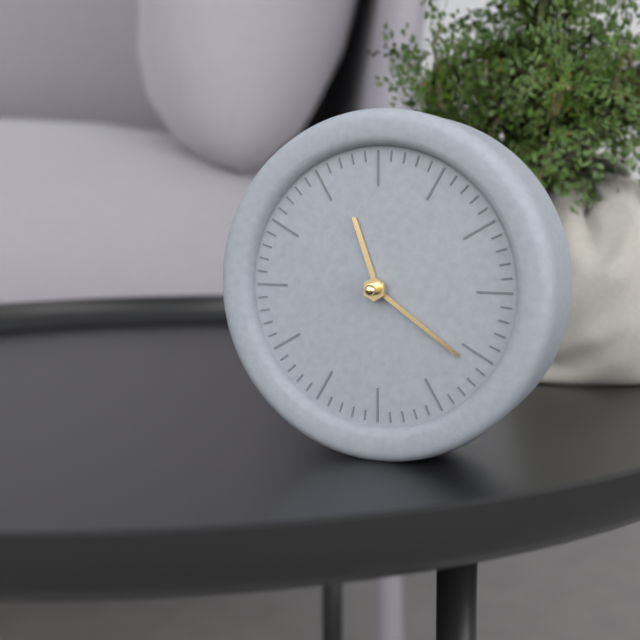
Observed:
{"hour": 11, "minute": 21}
